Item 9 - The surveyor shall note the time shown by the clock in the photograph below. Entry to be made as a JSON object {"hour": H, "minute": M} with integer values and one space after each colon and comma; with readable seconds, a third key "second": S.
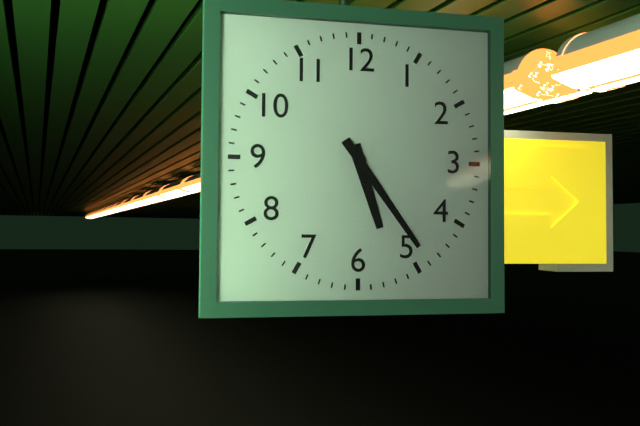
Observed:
{"hour": 5, "minute": 24}
